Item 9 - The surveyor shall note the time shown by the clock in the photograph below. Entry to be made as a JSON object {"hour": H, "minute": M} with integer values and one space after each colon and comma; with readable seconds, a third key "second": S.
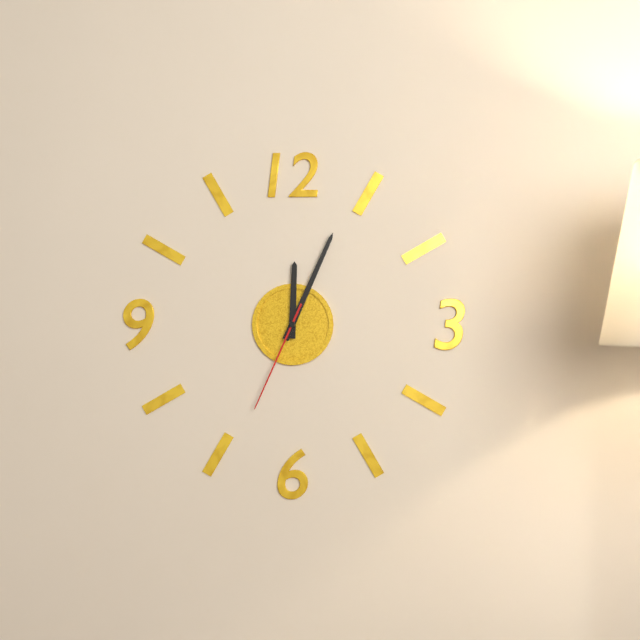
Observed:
{"hour": 12, "minute": 4, "second": 34}
